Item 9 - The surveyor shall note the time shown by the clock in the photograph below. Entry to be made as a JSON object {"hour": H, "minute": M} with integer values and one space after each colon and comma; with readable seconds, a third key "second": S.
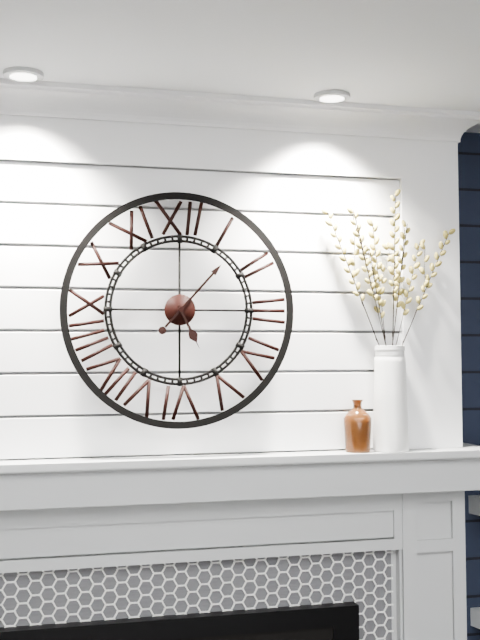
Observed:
{"hour": 5, "minute": 7}
